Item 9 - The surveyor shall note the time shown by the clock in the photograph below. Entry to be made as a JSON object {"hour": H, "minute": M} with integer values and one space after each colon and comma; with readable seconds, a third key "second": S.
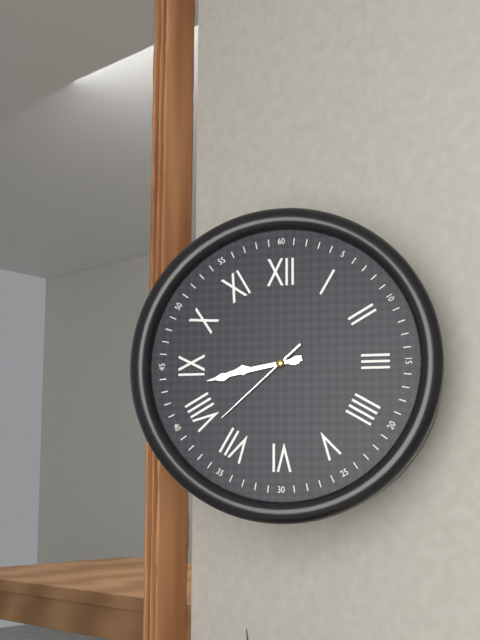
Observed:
{"hour": 8, "minute": 43, "second": 38}
